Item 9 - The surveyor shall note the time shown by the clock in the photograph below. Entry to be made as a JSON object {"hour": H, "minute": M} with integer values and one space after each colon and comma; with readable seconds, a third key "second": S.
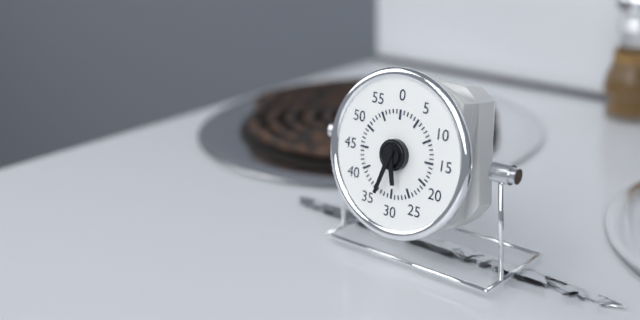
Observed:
{"hour": 5, "minute": 33}
